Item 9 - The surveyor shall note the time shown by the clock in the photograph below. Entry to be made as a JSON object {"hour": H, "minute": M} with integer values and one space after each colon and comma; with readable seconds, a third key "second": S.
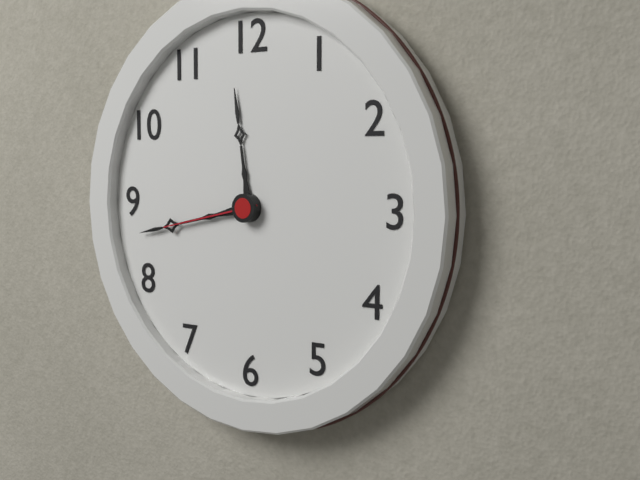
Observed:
{"hour": 11, "minute": 43, "second": 43}
